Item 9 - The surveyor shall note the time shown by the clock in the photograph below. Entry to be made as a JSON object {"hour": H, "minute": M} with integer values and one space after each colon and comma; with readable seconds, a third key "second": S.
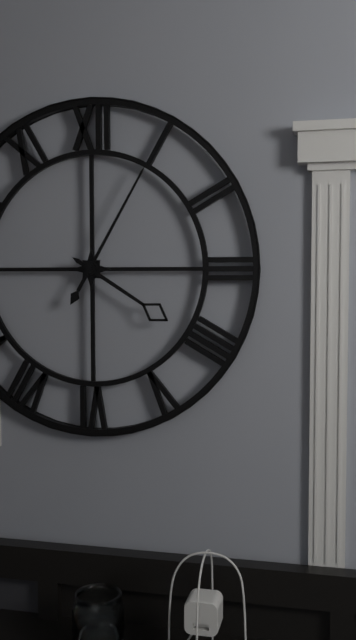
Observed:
{"hour": 4, "minute": 5}
